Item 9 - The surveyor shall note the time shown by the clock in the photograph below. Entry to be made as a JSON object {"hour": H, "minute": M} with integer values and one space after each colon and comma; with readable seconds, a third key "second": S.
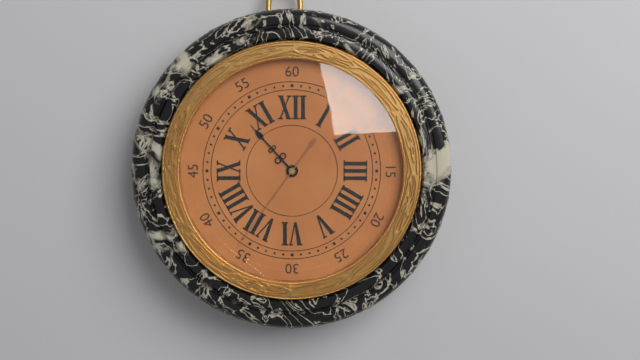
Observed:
{"hour": 10, "minute": 36}
